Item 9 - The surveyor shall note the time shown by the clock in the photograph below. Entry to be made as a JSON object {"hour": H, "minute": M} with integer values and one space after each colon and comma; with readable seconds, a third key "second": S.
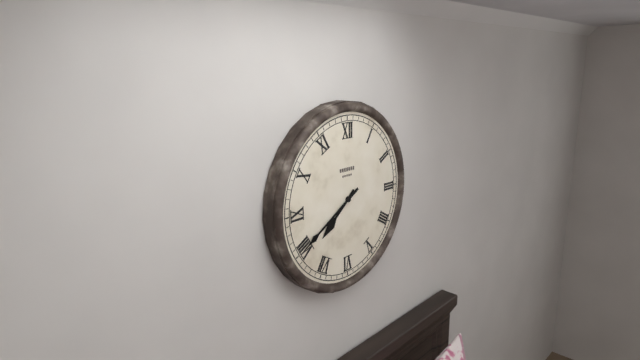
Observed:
{"hour": 7, "minute": 40}
